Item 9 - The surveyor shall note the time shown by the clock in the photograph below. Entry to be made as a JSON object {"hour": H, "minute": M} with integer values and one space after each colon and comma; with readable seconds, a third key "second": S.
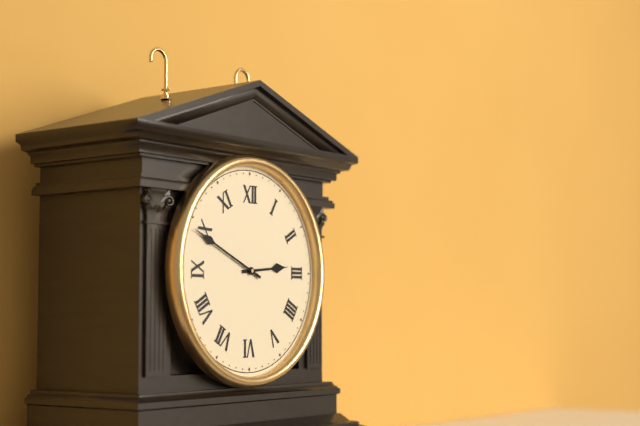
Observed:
{"hour": 2, "minute": 49}
